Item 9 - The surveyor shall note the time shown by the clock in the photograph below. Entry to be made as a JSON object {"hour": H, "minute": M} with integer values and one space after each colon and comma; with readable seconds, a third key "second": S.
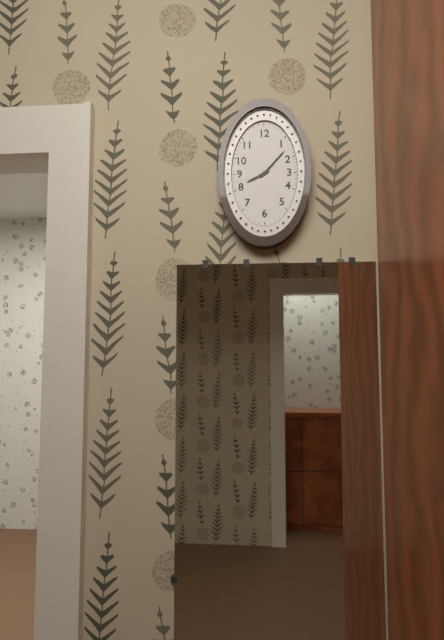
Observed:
{"hour": 8, "minute": 7}
